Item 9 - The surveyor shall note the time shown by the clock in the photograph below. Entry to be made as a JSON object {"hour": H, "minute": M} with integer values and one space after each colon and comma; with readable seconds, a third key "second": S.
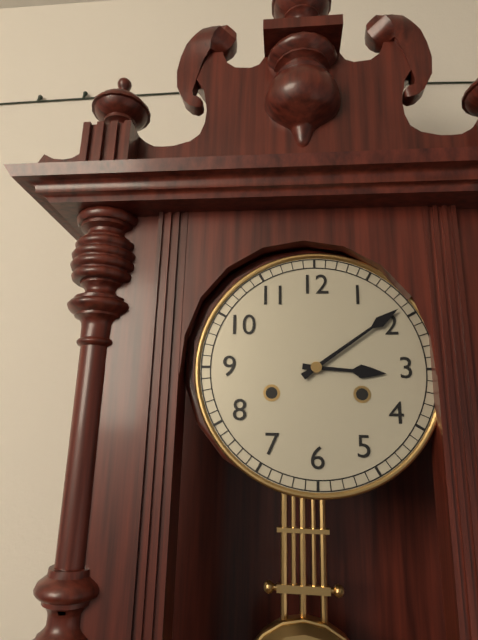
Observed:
{"hour": 3, "minute": 9}
